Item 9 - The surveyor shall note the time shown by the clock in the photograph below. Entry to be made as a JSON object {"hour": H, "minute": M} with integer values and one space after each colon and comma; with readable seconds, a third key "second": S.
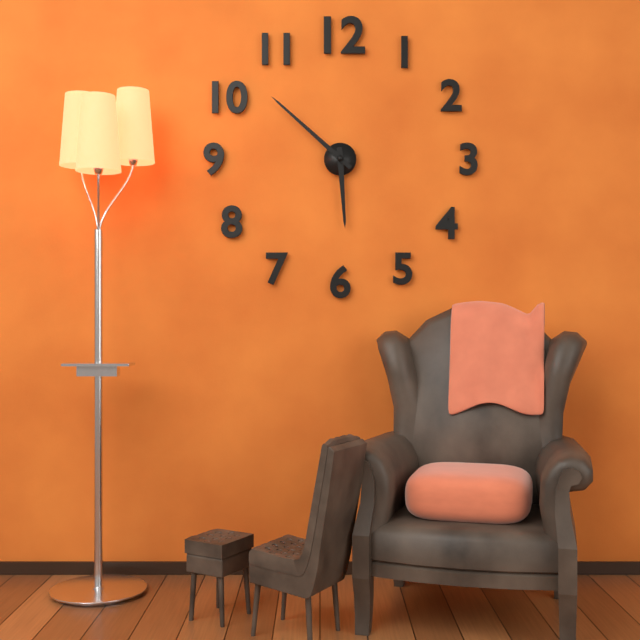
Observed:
{"hour": 5, "minute": 52}
